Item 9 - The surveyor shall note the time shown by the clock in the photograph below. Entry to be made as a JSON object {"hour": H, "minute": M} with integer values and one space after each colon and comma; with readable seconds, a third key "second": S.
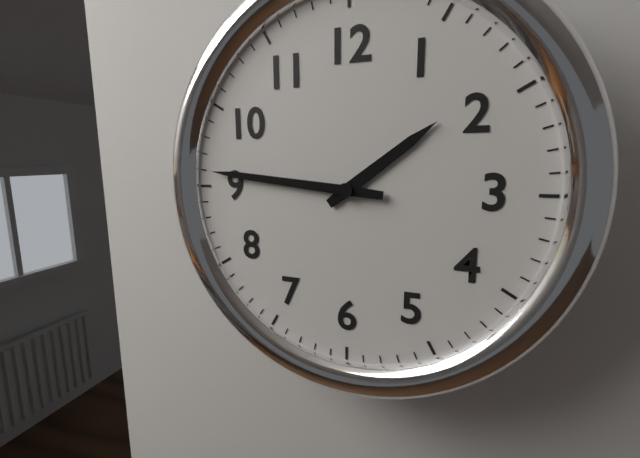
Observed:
{"hour": 1, "minute": 46}
